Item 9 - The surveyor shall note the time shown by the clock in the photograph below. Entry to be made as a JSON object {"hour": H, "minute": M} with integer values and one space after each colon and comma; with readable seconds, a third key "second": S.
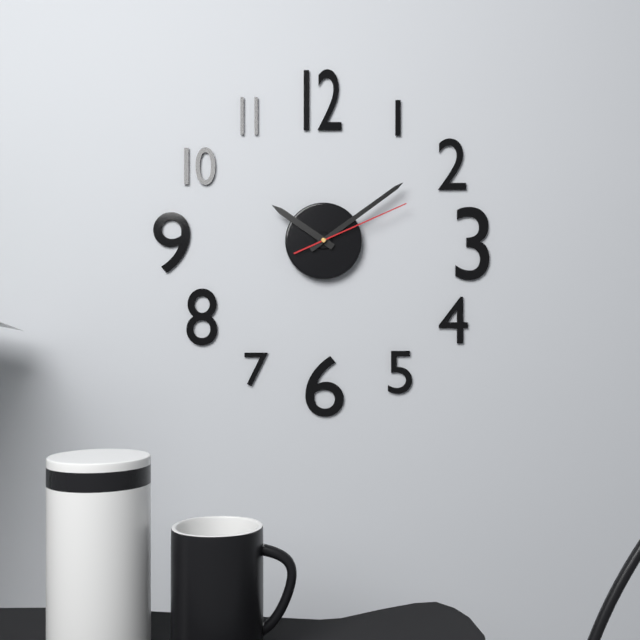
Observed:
{"hour": 10, "minute": 9, "second": 11}
